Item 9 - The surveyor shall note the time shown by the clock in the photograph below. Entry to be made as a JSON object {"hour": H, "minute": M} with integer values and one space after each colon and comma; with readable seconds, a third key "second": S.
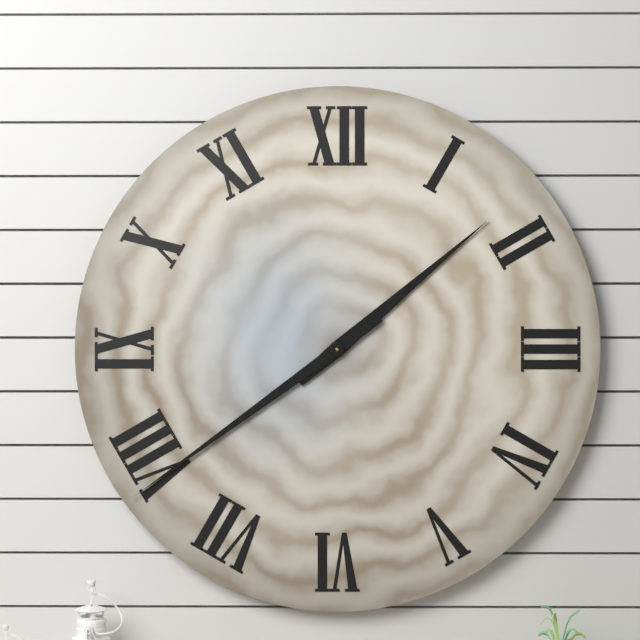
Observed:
{"hour": 1, "minute": 39}
